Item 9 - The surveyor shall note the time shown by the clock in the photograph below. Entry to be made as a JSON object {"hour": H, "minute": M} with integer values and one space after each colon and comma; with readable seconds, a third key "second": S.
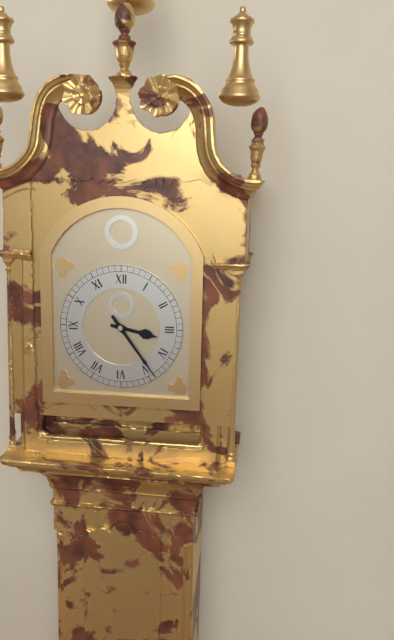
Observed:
{"hour": 3, "minute": 24}
